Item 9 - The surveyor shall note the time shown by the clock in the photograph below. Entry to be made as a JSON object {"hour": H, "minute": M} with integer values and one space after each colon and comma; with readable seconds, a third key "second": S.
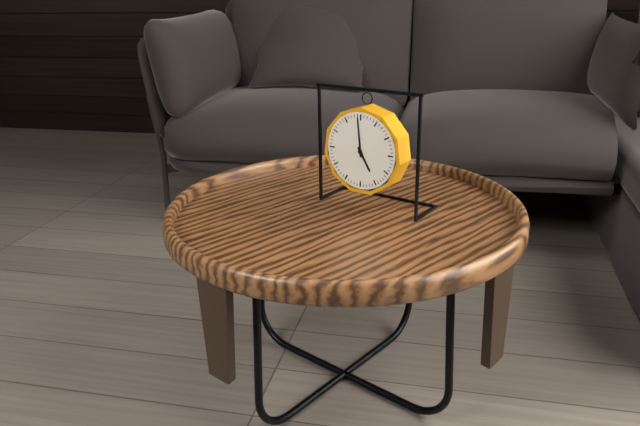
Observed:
{"hour": 4, "minute": 59}
